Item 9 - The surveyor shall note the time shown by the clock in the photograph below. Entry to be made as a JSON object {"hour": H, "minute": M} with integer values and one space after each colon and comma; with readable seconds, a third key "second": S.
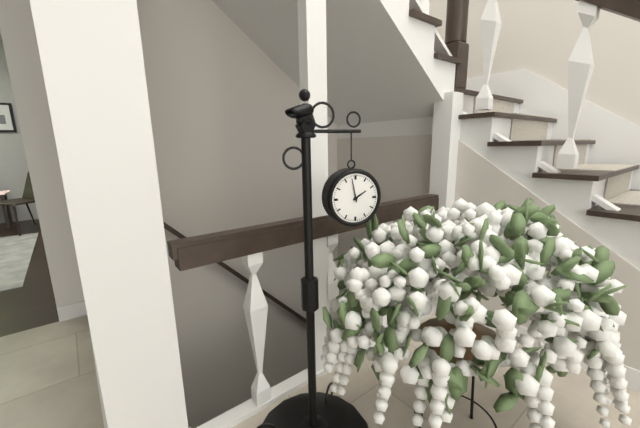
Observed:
{"hour": 1, "minute": 58}
